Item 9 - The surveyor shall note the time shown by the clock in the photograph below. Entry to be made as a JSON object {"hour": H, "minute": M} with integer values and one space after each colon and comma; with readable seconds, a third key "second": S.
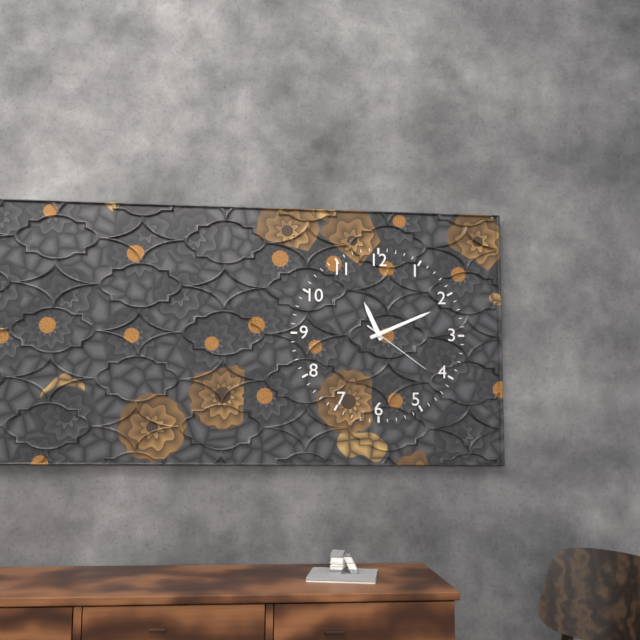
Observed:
{"hour": 11, "minute": 11, "second": 21}
